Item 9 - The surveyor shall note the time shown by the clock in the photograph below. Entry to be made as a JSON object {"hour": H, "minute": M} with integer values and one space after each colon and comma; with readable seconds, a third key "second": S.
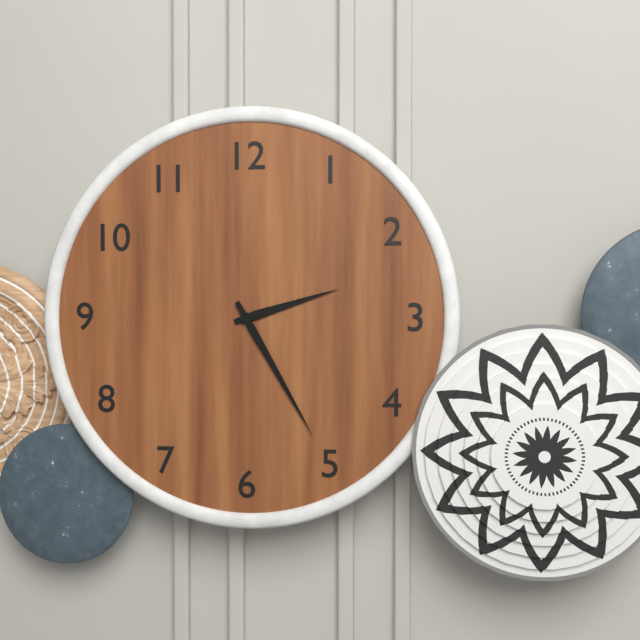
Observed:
{"hour": 2, "minute": 25}
